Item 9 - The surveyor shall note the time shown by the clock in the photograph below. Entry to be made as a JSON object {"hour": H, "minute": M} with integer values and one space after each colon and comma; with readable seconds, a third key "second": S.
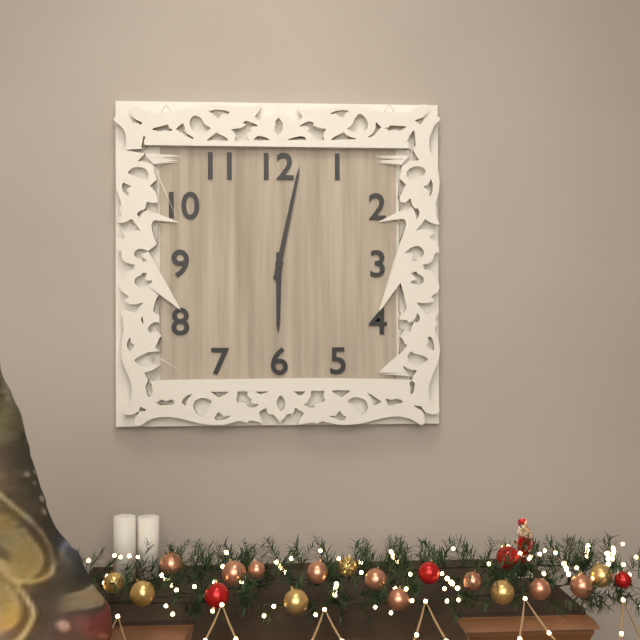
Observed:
{"hour": 6, "minute": 2}
